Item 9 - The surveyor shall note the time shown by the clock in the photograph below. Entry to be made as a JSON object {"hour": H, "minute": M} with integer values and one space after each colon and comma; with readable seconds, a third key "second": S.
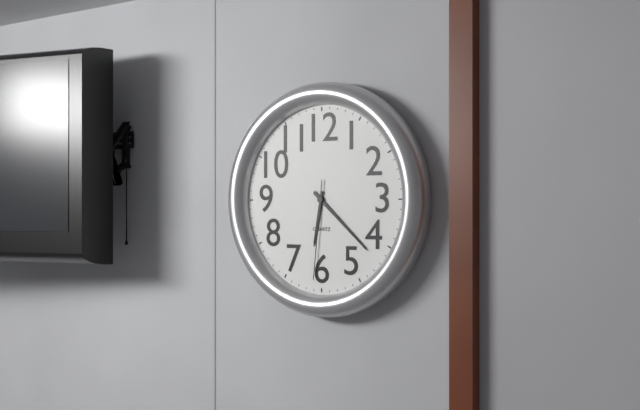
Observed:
{"hour": 6, "minute": 22, "second": 31}
